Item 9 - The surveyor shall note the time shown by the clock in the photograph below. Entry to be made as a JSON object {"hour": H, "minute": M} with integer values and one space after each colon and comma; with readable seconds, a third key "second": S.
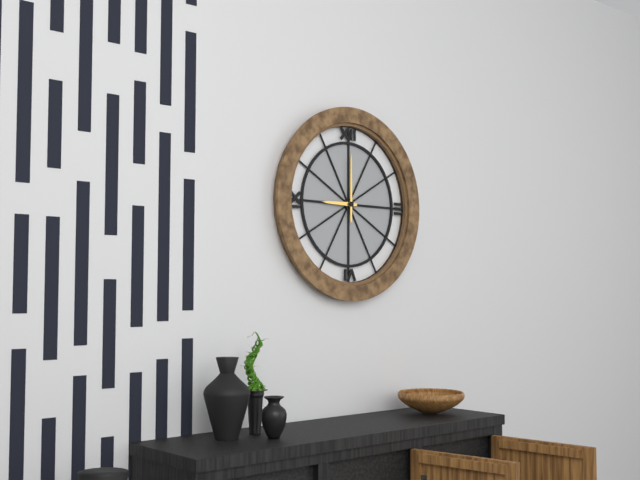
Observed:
{"hour": 9, "minute": 0}
